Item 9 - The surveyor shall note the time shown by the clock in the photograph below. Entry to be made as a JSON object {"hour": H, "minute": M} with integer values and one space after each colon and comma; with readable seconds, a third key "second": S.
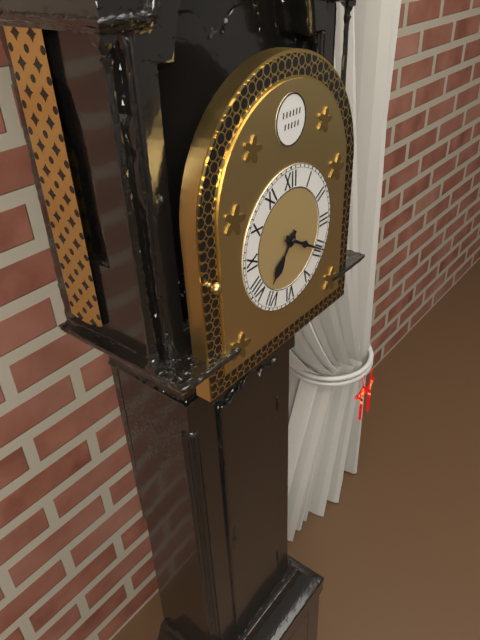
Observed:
{"hour": 7, "minute": 20}
